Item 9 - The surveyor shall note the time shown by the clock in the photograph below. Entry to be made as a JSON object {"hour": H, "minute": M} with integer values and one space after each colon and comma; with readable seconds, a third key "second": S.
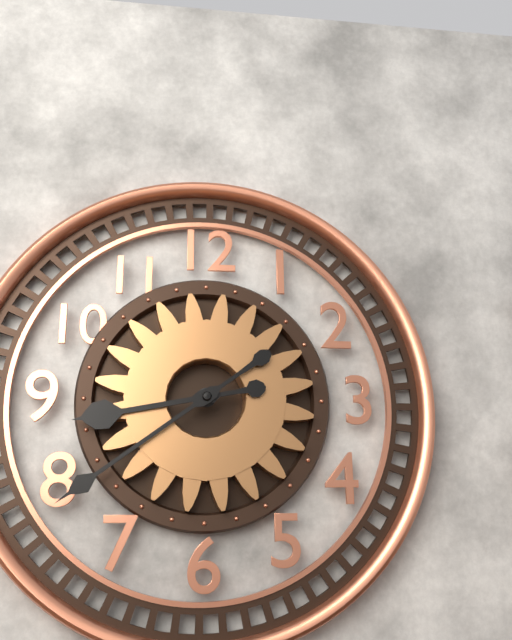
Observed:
{"hour": 8, "minute": 39}
